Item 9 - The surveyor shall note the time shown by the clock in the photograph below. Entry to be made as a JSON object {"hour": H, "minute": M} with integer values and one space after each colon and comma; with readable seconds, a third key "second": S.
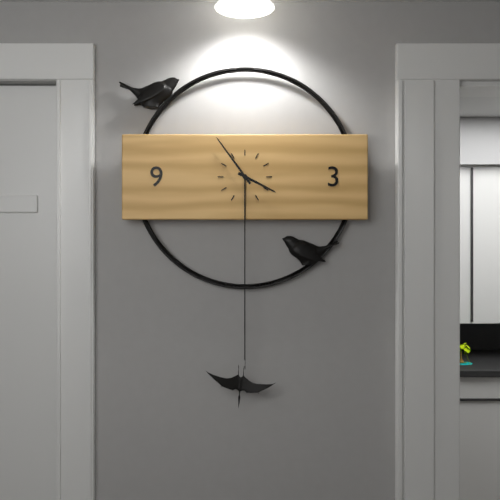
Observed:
{"hour": 3, "minute": 54}
